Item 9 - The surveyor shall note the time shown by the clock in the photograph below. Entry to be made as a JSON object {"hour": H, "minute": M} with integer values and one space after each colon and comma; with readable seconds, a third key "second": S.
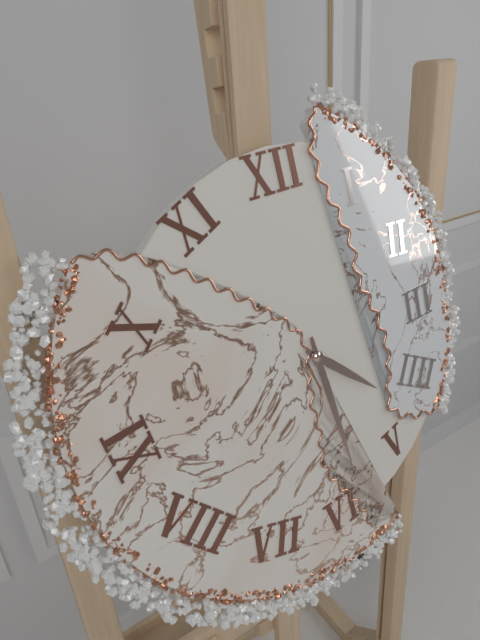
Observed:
{"hour": 4, "minute": 29}
